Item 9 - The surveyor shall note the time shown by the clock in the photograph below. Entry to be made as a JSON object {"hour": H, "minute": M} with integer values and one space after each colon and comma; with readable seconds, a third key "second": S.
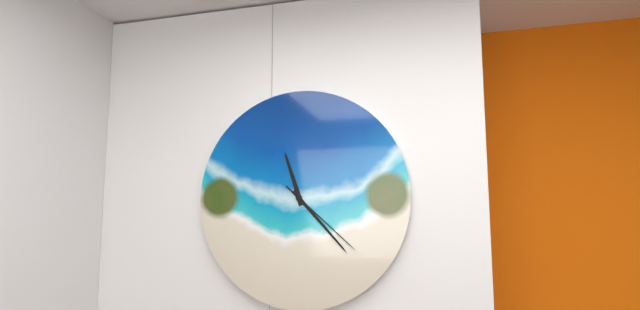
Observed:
{"hour": 11, "minute": 23, "second": 22}
